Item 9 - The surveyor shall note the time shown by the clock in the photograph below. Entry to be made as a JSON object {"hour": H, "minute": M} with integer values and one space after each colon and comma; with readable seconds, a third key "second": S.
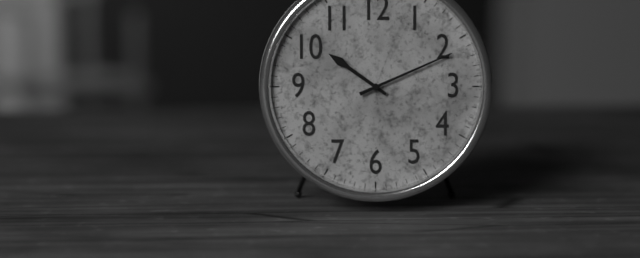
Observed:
{"hour": 10, "minute": 11}
